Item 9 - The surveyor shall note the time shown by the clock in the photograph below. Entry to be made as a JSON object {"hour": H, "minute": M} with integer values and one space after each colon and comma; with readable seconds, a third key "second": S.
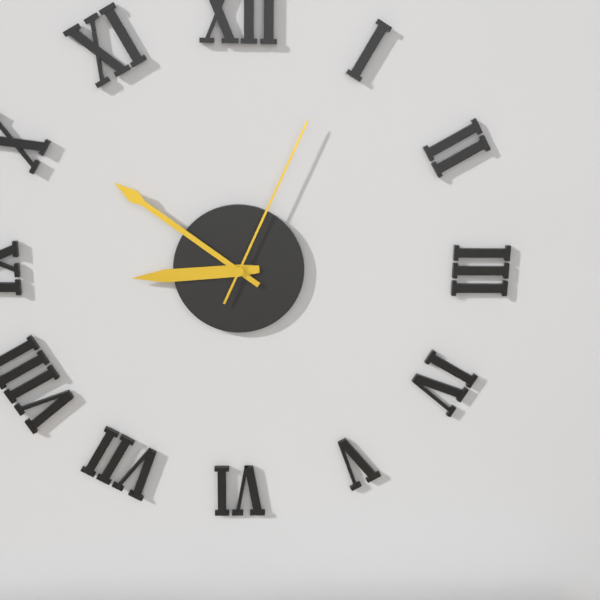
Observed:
{"hour": 8, "minute": 51, "second": 4}
